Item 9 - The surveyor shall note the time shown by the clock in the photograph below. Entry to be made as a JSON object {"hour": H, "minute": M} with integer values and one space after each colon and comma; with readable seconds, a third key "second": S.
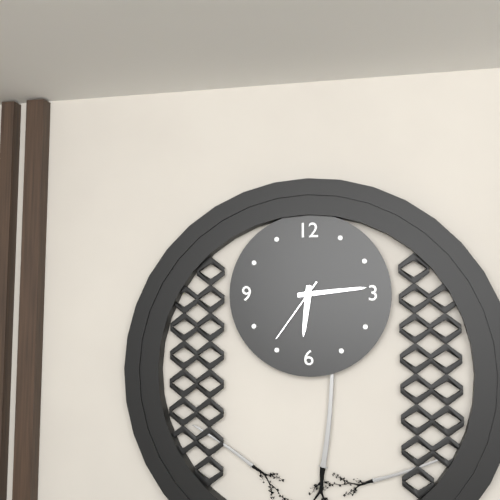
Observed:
{"hour": 6, "minute": 14, "second": 36}
